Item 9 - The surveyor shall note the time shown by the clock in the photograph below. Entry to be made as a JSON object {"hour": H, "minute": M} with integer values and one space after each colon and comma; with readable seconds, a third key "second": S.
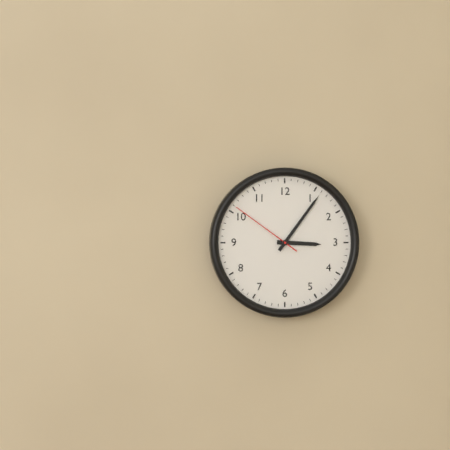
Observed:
{"hour": 3, "minute": 6, "second": 51}
